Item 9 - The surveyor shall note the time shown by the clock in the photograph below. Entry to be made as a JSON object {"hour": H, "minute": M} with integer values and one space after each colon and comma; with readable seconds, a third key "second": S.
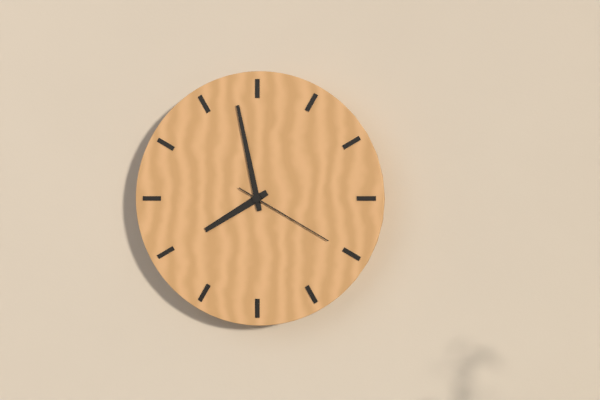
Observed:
{"hour": 7, "minute": 58, "second": 20}
